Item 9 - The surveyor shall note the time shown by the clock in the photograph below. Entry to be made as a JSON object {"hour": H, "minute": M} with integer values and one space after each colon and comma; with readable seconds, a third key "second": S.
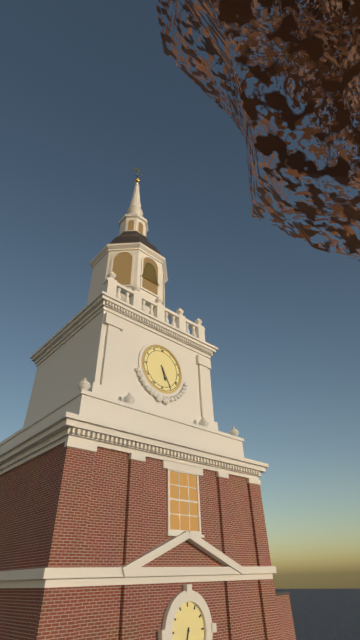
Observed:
{"hour": 5, "minute": 25}
